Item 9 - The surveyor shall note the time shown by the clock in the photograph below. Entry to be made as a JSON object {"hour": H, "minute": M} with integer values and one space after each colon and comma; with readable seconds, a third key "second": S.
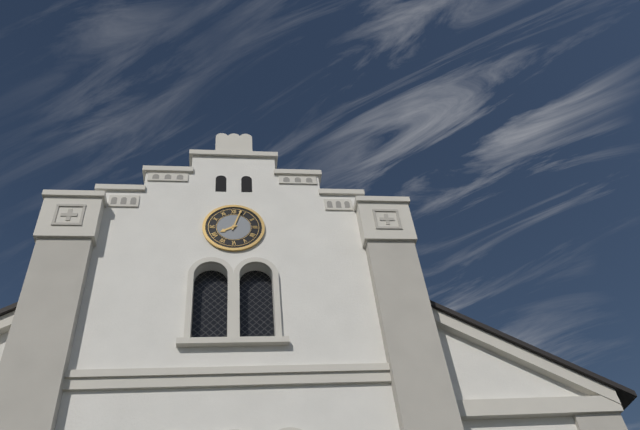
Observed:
{"hour": 8, "minute": 3}
